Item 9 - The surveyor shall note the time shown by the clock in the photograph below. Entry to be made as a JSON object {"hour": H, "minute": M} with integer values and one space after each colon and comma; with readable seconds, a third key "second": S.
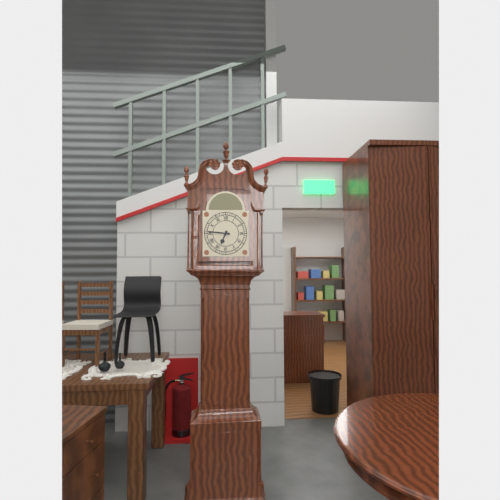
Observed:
{"hour": 6, "minute": 46}
